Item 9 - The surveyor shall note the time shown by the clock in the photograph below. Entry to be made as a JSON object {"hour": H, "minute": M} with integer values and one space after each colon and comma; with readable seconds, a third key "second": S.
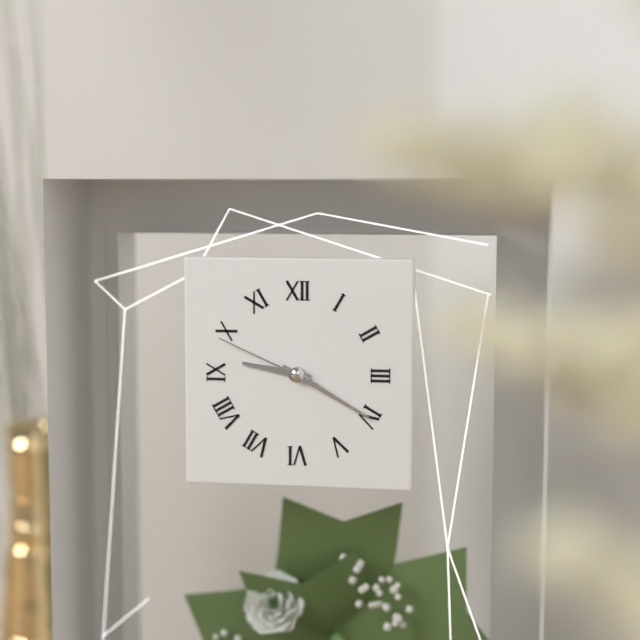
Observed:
{"hour": 9, "minute": 20, "second": 49}
